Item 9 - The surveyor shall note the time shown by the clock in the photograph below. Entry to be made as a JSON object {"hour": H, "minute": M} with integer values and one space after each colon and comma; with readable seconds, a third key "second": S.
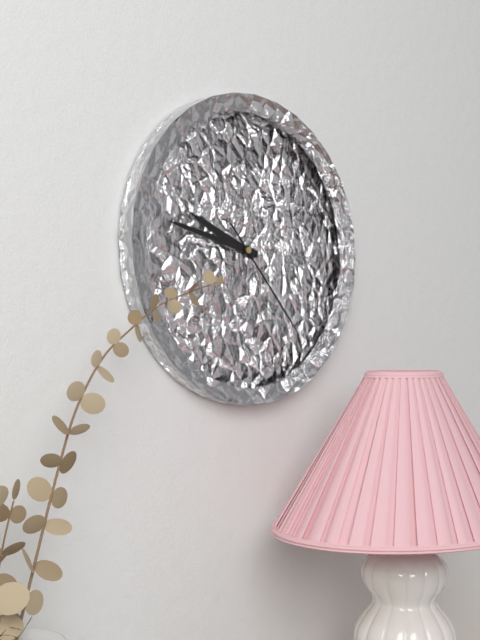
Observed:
{"hour": 9, "minute": 47, "second": 23}
